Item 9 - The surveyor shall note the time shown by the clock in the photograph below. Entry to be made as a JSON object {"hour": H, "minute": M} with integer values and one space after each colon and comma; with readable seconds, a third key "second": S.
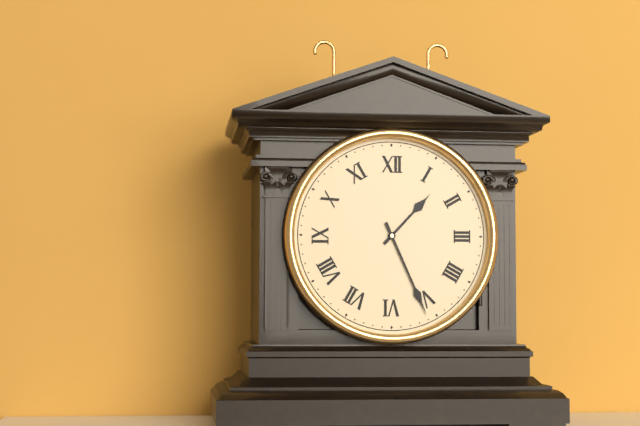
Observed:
{"hour": 1, "minute": 26}
